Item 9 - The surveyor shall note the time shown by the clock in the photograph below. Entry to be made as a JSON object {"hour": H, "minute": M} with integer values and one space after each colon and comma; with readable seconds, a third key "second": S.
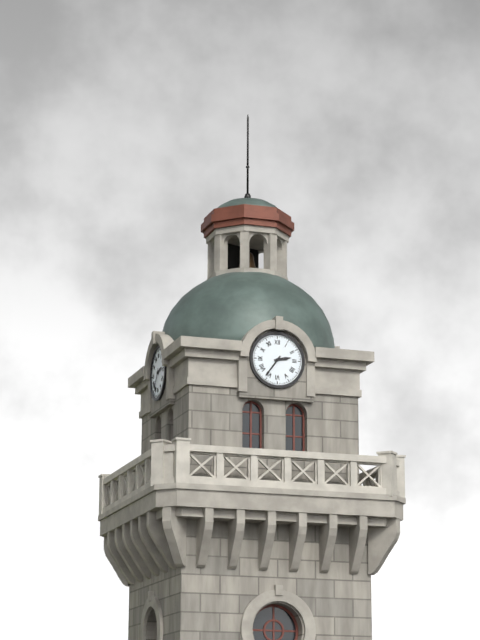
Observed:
{"hour": 2, "minute": 36}
